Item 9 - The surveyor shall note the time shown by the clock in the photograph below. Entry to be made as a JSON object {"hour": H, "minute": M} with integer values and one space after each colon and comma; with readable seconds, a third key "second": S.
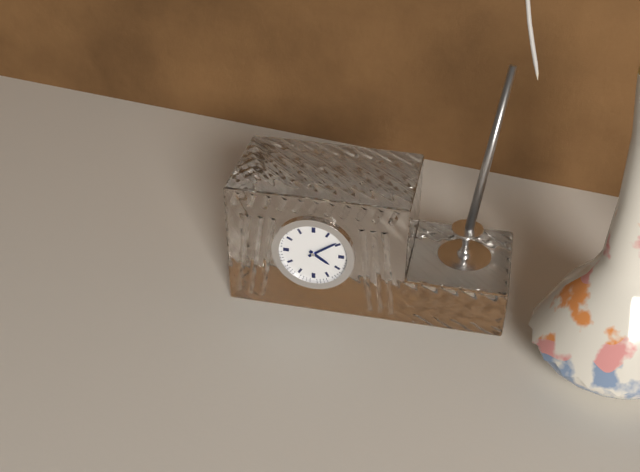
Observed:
{"hour": 4, "minute": 9}
